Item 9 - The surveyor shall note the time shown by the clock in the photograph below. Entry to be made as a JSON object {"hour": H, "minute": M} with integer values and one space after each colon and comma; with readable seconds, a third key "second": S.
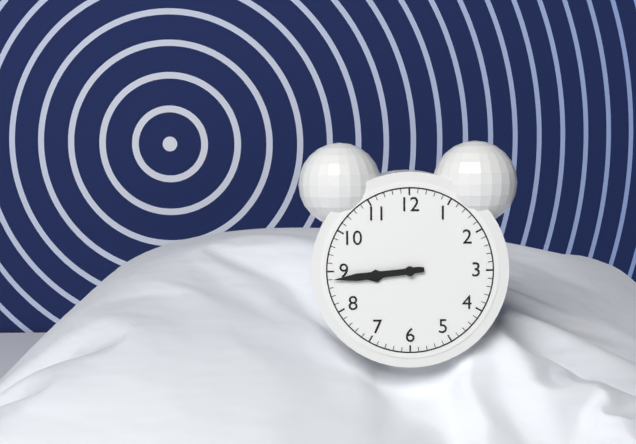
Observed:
{"hour": 8, "minute": 44}
